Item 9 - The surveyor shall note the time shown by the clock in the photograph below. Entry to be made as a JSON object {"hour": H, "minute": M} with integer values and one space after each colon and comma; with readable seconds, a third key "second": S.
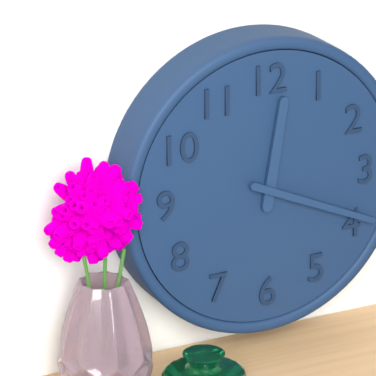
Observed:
{"hour": 12, "minute": 19}
